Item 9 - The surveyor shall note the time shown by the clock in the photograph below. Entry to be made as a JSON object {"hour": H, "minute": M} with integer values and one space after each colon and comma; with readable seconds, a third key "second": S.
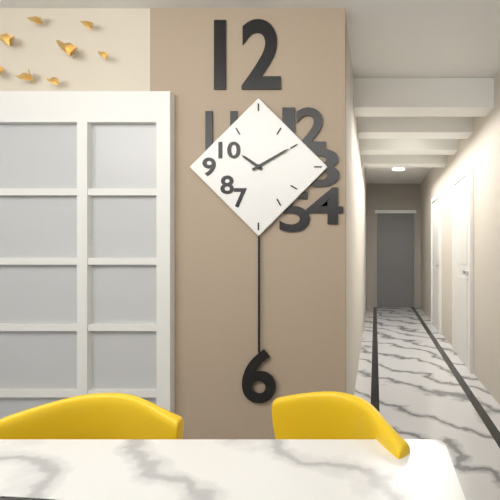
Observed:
{"hour": 10, "minute": 10}
